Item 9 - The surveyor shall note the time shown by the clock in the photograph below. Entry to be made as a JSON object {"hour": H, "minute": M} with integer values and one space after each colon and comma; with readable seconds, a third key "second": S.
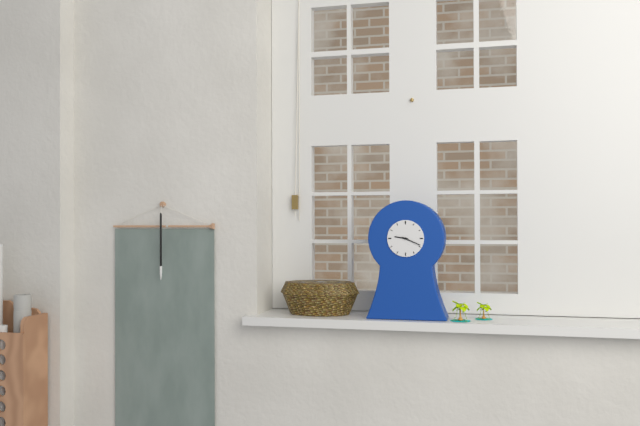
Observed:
{"hour": 9, "minute": 19}
